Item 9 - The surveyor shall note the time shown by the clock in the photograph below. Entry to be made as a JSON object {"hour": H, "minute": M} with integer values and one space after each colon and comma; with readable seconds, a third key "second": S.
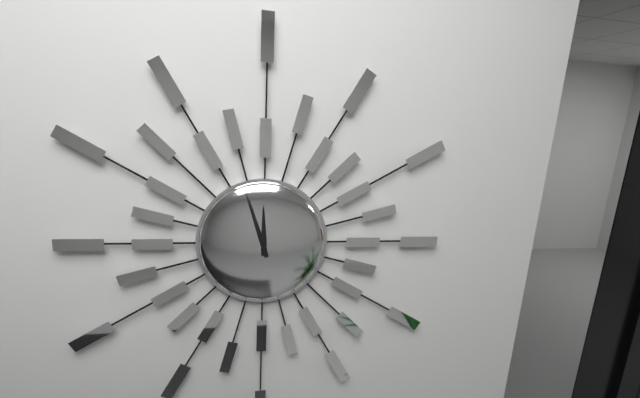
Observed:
{"hour": 11, "minute": 57}
